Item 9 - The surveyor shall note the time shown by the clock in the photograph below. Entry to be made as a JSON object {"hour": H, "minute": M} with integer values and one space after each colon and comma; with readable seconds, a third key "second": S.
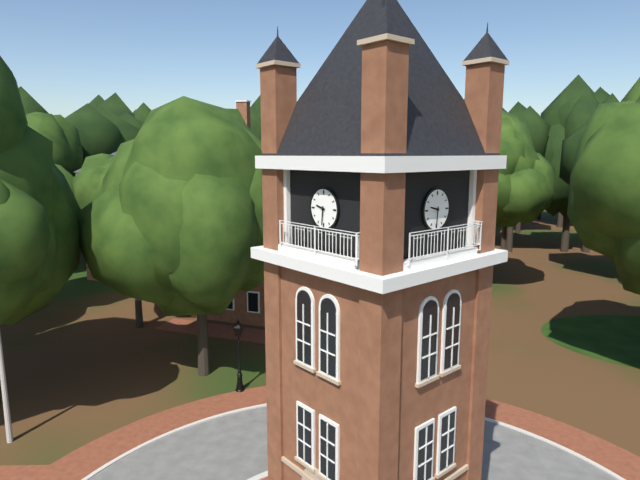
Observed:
{"hour": 9, "minute": 31}
